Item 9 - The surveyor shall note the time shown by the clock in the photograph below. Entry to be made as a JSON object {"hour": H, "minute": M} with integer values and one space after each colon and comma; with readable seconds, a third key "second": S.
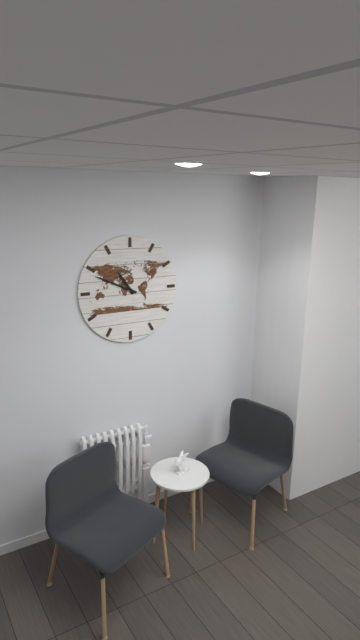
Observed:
{"hour": 10, "minute": 49}
